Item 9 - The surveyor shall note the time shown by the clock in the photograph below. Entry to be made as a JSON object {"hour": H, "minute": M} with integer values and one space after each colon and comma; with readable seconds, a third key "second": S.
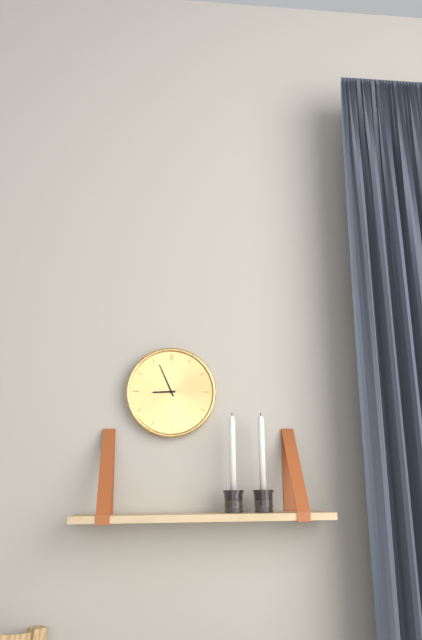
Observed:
{"hour": 8, "minute": 56}
